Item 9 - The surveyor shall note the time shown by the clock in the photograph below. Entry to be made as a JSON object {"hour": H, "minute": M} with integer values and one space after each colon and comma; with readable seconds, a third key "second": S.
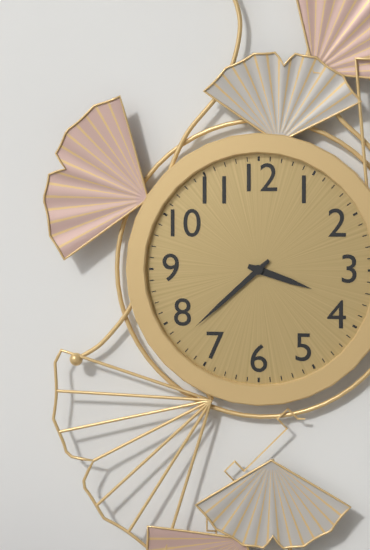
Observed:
{"hour": 3, "minute": 38}
